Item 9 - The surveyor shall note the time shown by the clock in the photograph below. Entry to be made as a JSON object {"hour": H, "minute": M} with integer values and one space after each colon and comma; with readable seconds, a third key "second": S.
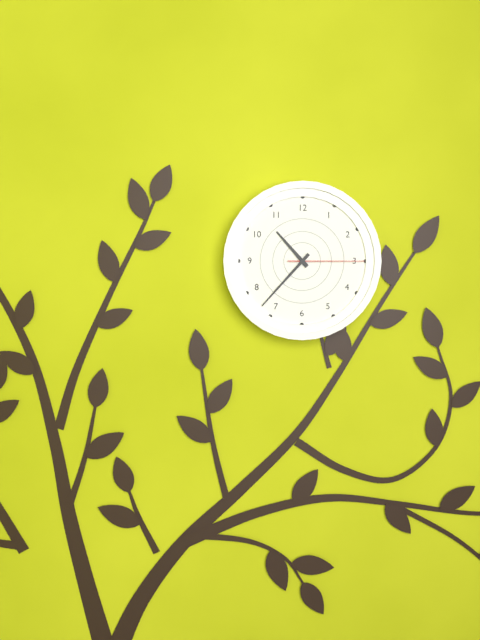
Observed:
{"hour": 10, "minute": 37, "second": 15}
